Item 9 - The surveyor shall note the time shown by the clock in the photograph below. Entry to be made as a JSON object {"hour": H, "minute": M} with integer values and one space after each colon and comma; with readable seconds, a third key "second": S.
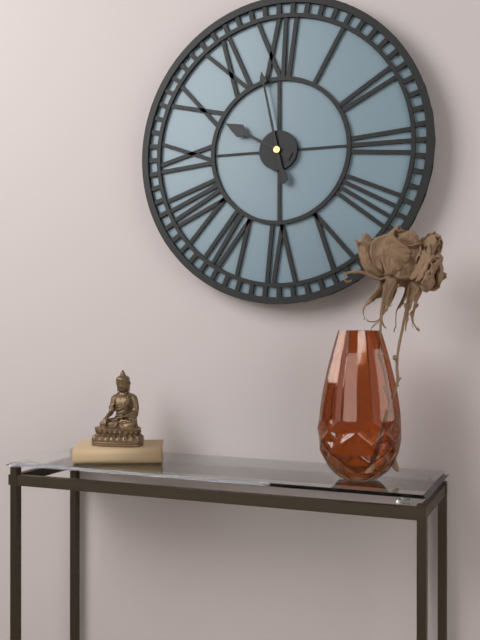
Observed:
{"hour": 9, "minute": 58}
